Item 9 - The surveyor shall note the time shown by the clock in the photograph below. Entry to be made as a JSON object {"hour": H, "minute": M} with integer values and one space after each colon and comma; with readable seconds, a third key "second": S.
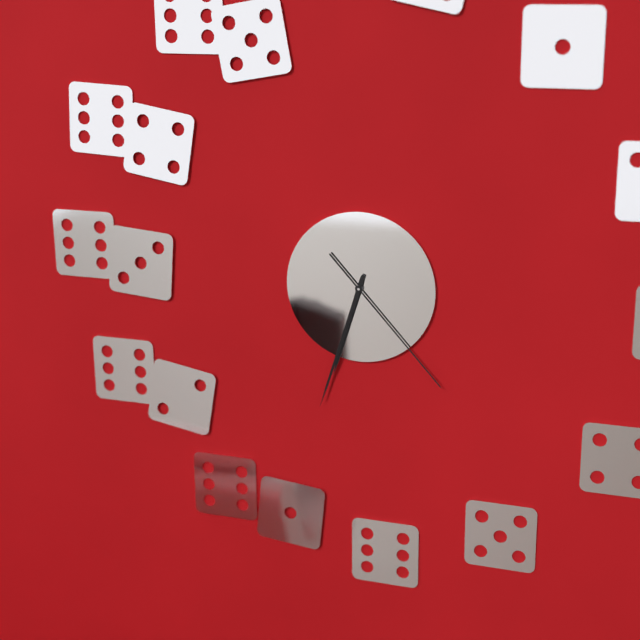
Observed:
{"hour": 6, "minute": 33, "second": 23}
